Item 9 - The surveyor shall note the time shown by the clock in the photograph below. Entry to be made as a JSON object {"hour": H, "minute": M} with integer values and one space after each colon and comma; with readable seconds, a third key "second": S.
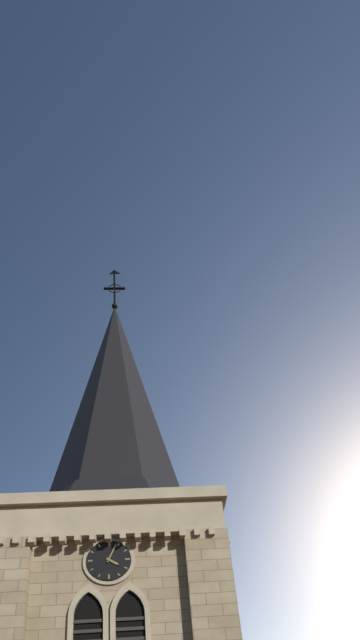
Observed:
{"hour": 4, "minute": 4}
